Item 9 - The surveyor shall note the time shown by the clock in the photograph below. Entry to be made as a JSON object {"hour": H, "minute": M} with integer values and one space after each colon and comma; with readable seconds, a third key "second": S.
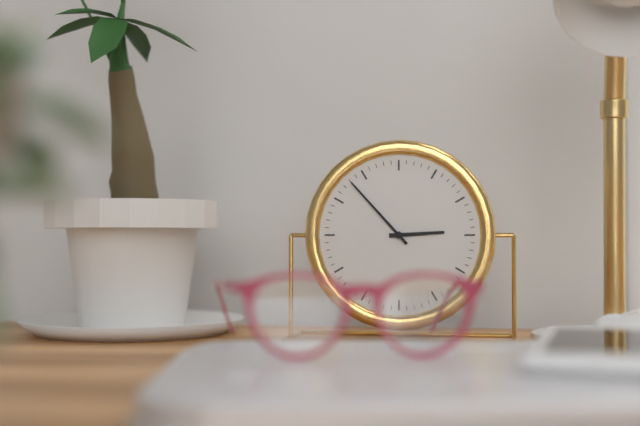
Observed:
{"hour": 2, "minute": 53}
